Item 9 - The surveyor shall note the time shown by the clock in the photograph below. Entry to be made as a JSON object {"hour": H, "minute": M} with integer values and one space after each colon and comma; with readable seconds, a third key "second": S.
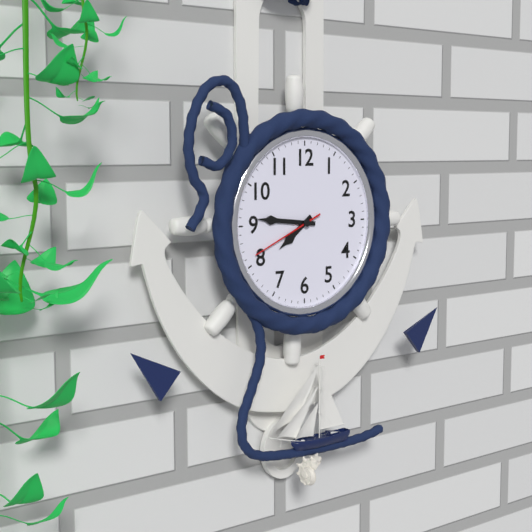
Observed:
{"hour": 7, "minute": 46, "second": 41}
